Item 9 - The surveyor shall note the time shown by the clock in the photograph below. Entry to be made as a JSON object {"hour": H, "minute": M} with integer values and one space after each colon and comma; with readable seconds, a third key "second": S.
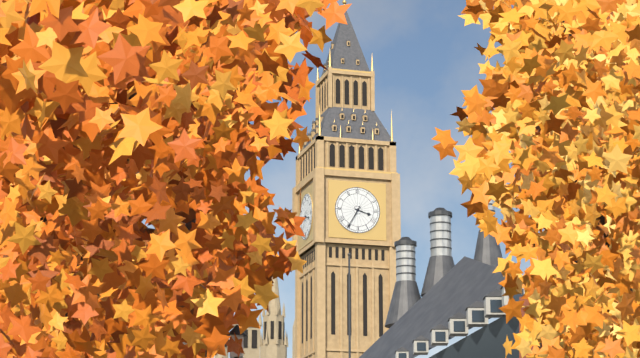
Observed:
{"hour": 3, "minute": 35}
